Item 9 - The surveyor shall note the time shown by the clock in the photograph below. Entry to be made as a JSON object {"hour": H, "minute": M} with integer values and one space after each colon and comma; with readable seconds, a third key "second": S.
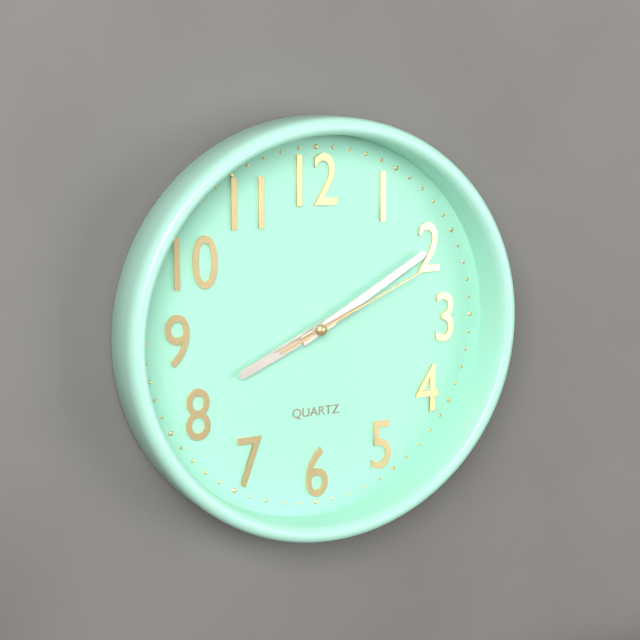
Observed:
{"hour": 8, "minute": 10, "second": 11}
